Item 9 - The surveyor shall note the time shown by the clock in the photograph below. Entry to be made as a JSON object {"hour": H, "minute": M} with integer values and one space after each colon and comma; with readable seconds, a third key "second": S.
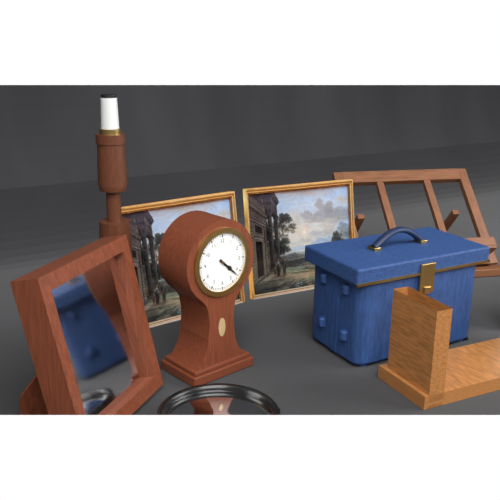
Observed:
{"hour": 4, "minute": 22}
